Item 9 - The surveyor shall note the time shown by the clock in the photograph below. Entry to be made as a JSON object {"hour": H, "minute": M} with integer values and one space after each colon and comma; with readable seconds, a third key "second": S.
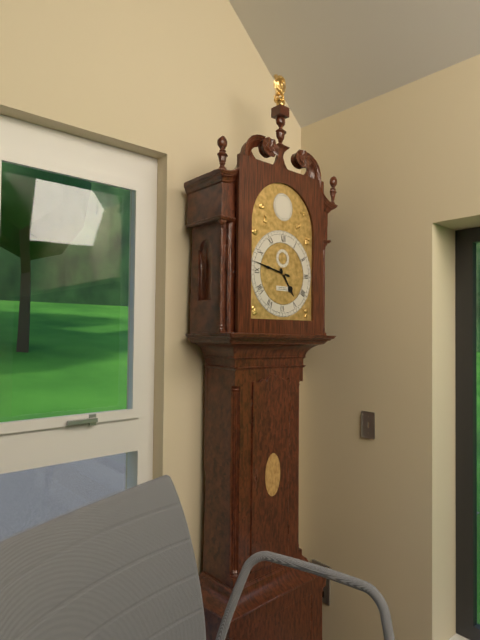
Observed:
{"hour": 4, "minute": 47}
